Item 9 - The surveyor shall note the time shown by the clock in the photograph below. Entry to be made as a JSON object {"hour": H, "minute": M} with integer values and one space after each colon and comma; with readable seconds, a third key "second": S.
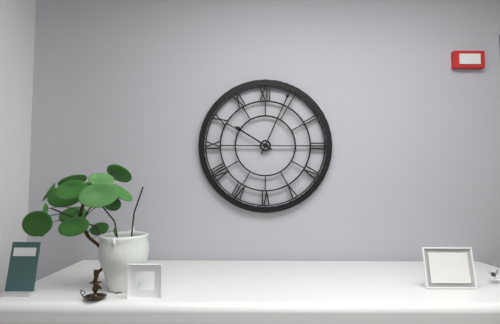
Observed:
{"hour": 10, "minute": 4}
